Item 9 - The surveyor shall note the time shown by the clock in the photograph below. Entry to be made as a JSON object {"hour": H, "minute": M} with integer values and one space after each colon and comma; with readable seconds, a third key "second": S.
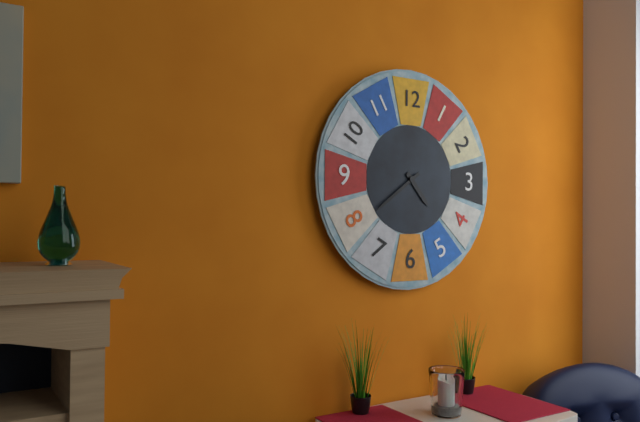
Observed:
{"hour": 4, "minute": 39}
